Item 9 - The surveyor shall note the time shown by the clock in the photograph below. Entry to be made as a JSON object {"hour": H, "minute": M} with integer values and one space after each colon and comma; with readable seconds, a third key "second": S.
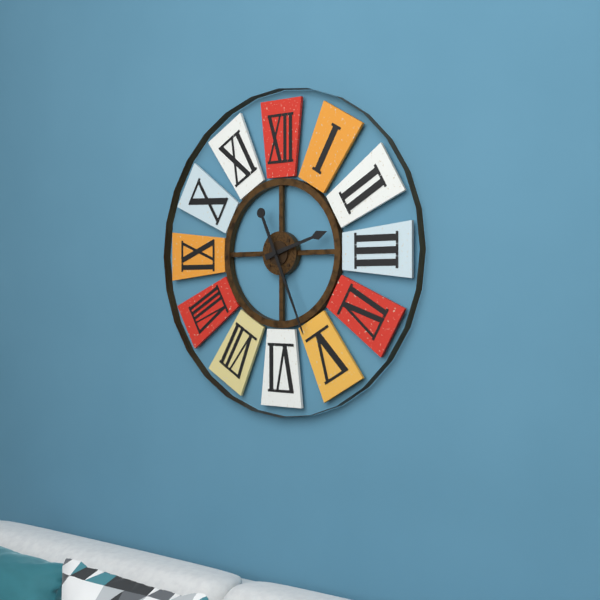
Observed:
{"hour": 2, "minute": 26}
